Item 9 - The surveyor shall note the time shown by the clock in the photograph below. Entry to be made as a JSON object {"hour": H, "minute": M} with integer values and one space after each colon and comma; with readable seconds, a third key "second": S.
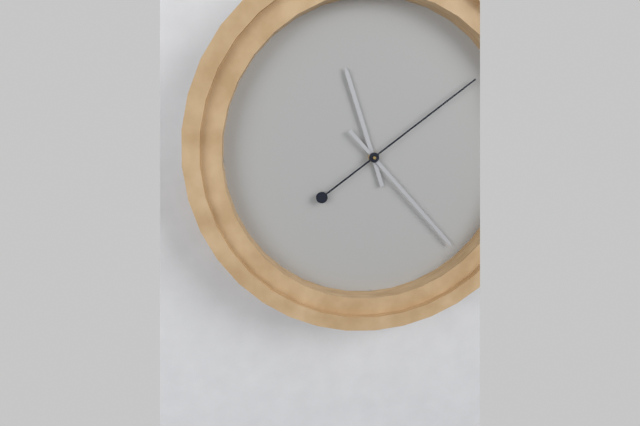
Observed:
{"hour": 11, "minute": 23, "second": 9}
